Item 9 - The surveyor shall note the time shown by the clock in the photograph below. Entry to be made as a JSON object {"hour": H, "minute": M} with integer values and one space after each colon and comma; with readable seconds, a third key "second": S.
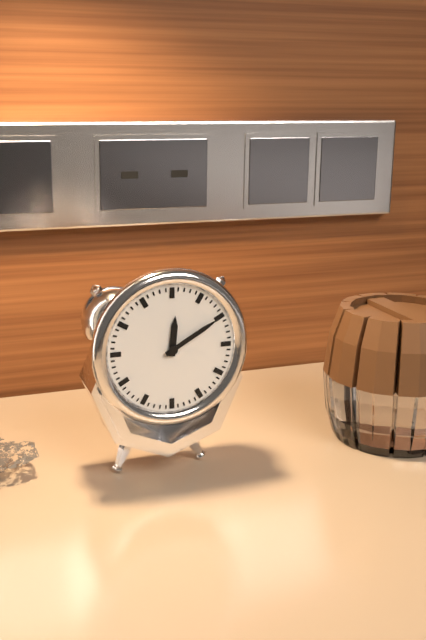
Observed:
{"hour": 12, "minute": 10}
